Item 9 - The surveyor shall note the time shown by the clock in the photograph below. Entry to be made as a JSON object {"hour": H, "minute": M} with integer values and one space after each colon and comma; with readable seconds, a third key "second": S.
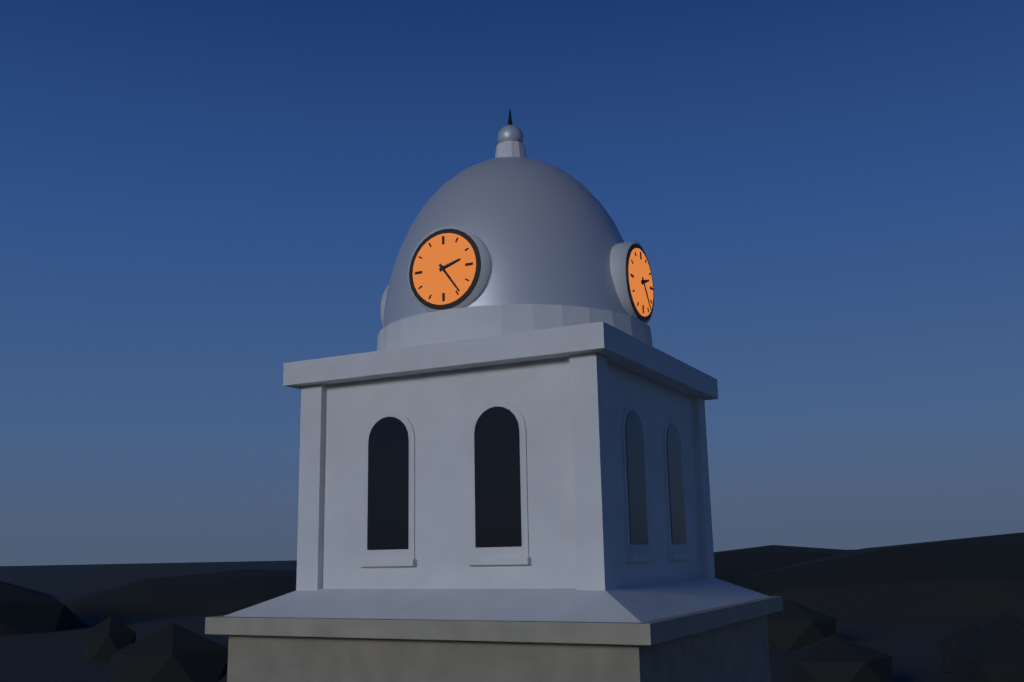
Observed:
{"hour": 2, "minute": 24}
